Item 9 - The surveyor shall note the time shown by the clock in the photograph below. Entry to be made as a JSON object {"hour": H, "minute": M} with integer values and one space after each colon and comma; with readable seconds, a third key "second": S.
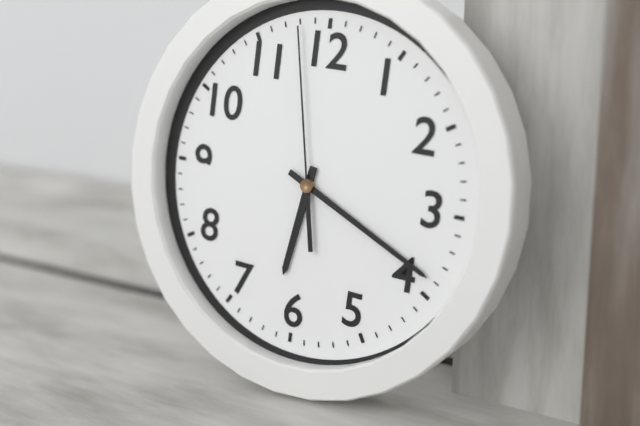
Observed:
{"hour": 6, "minute": 19, "second": 58}
